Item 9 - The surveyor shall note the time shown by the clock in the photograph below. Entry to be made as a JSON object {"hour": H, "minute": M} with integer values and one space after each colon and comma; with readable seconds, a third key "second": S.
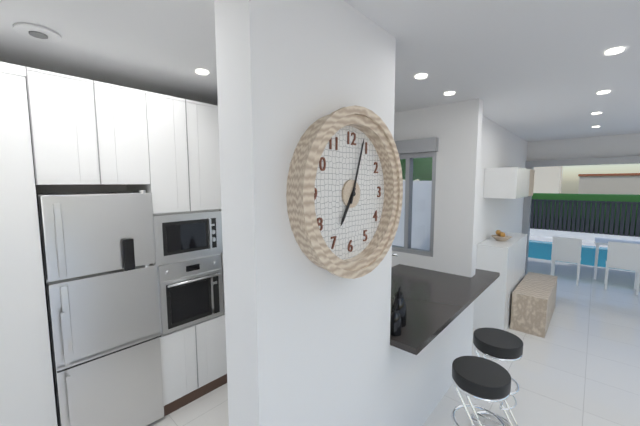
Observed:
{"hour": 7, "minute": 3}
